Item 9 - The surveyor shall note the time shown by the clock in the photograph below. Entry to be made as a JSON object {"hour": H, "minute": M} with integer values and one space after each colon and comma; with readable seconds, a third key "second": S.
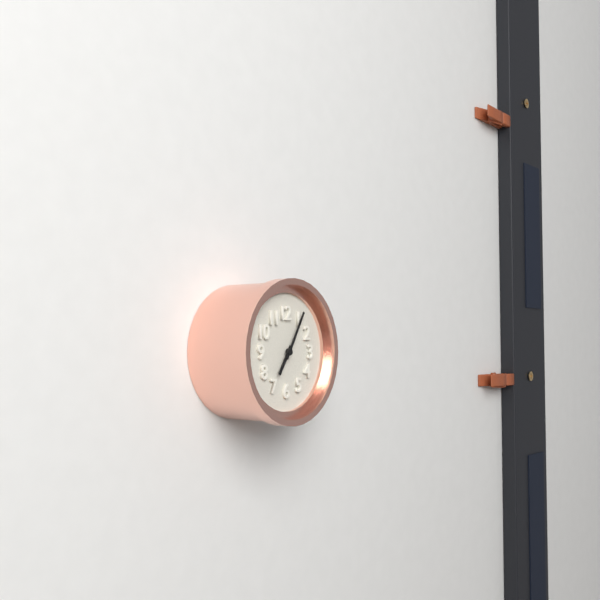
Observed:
{"hour": 7, "minute": 5}
